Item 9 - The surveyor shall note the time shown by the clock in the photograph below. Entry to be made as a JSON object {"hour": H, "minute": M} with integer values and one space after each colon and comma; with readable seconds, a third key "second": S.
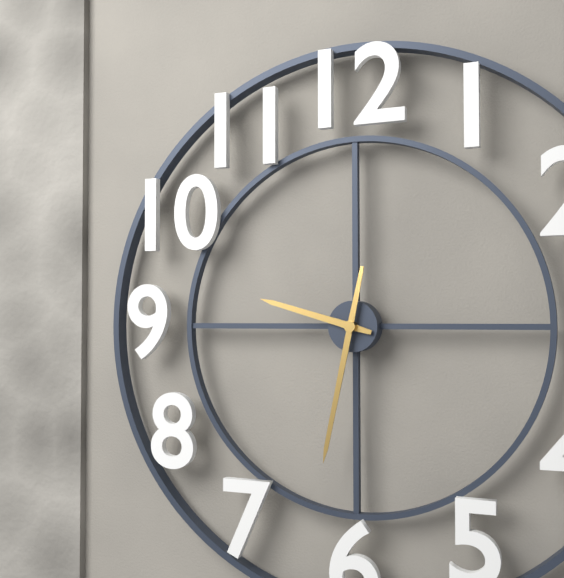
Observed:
{"hour": 9, "minute": 32}
